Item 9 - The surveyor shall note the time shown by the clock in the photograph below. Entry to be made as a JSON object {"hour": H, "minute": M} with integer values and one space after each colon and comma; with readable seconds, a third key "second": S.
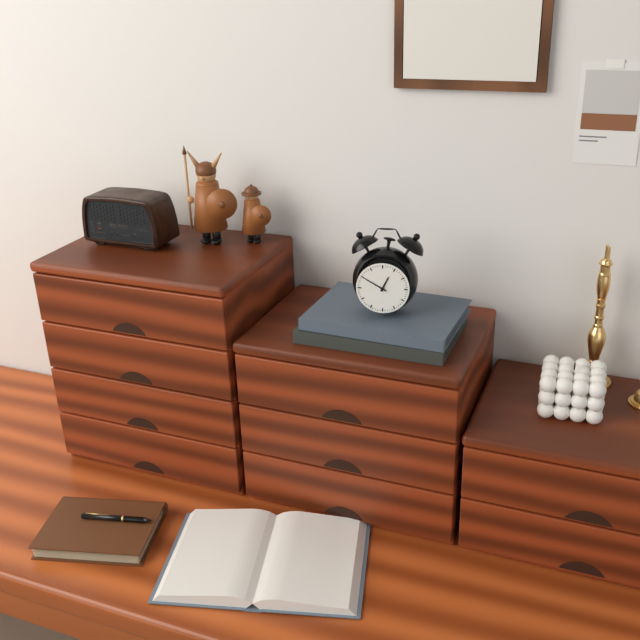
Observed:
{"hour": 12, "minute": 50}
